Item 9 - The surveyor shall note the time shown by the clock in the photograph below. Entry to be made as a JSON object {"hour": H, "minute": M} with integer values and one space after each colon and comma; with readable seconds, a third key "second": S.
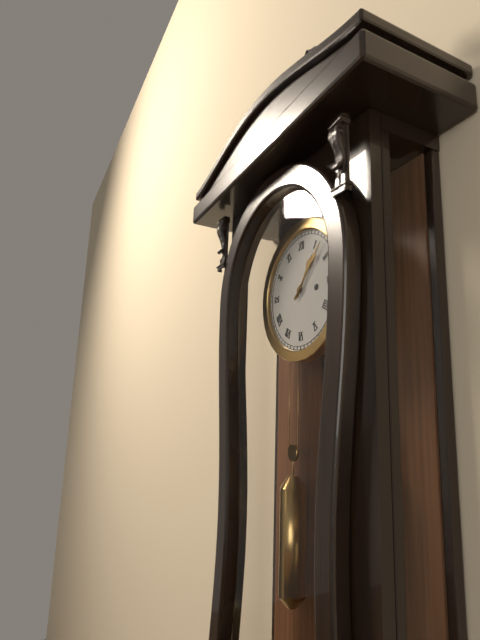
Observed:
{"hour": 1, "minute": 7}
